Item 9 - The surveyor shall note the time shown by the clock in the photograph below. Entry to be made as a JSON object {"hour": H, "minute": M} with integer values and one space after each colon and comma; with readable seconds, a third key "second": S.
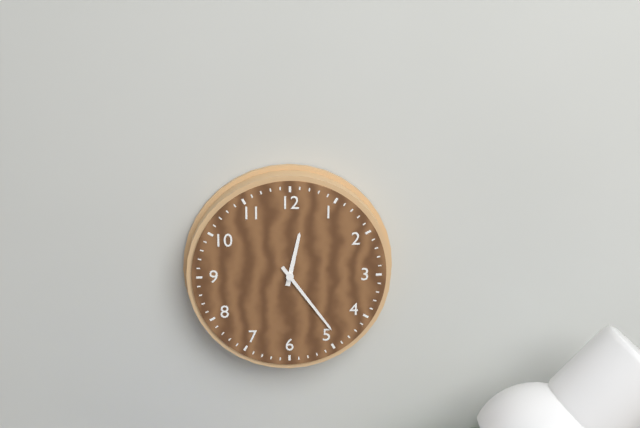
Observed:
{"hour": 12, "minute": 24}
